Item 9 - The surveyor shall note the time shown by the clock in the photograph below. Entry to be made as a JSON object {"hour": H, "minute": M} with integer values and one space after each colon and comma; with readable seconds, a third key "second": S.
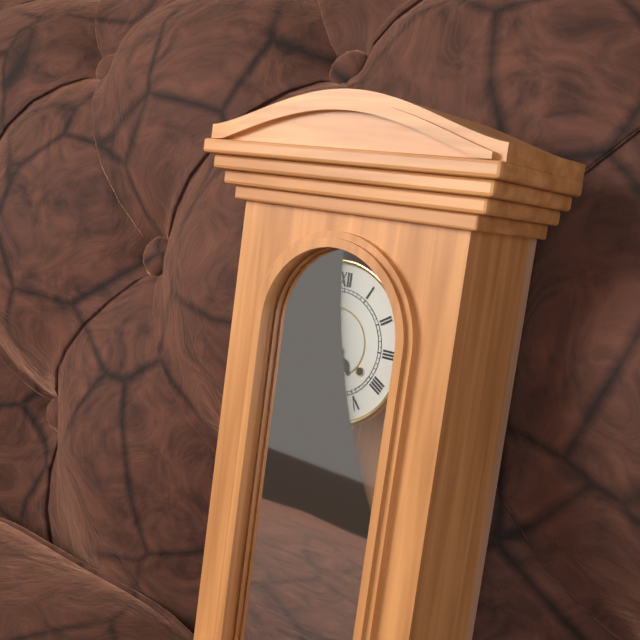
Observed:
{"hour": 4, "minute": 52}
